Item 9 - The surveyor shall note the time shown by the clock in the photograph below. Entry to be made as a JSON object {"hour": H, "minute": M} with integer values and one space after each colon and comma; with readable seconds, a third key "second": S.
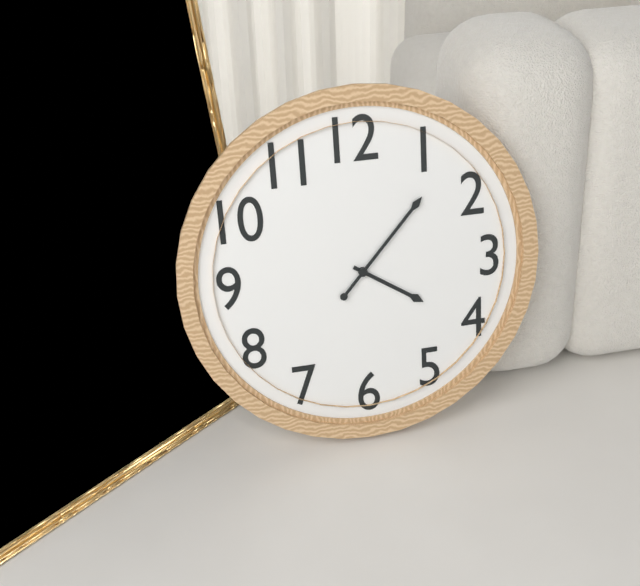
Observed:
{"hour": 4, "minute": 7}
